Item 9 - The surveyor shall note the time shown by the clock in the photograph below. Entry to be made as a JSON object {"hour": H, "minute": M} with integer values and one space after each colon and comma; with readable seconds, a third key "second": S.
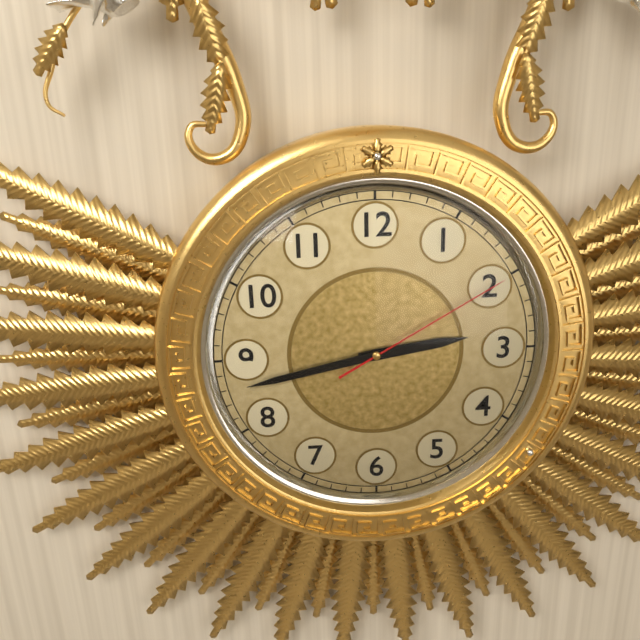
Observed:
{"hour": 2, "minute": 43, "second": 10}
